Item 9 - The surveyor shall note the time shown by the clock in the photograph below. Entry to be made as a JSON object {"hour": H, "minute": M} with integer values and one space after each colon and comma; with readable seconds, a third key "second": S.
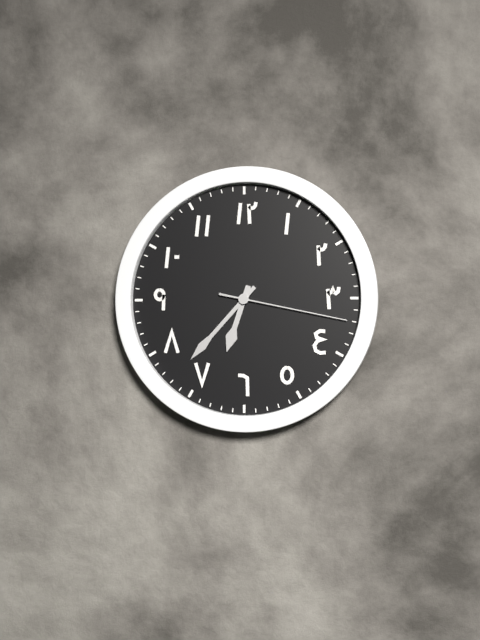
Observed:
{"hour": 6, "minute": 37, "second": 17}
